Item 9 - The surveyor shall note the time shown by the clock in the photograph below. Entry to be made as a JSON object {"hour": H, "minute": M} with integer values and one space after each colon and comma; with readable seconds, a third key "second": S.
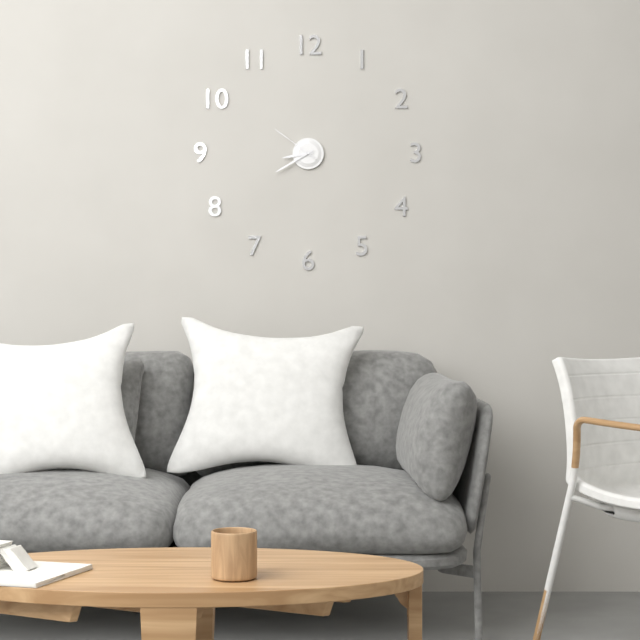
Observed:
{"hour": 8, "minute": 40, "second": 51}
